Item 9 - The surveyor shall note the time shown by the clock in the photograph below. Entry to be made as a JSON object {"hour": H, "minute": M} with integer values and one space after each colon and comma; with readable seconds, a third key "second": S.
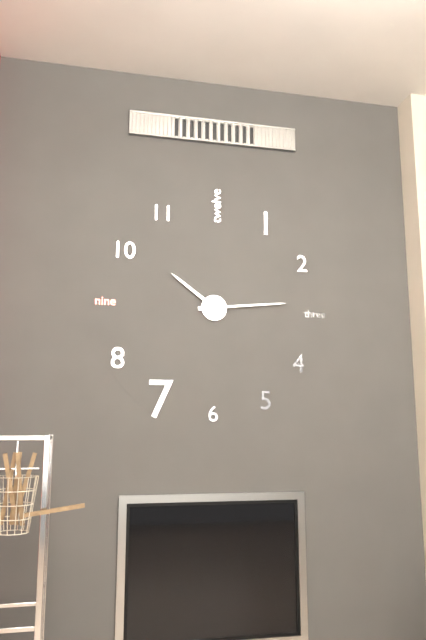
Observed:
{"hour": 10, "minute": 14}
